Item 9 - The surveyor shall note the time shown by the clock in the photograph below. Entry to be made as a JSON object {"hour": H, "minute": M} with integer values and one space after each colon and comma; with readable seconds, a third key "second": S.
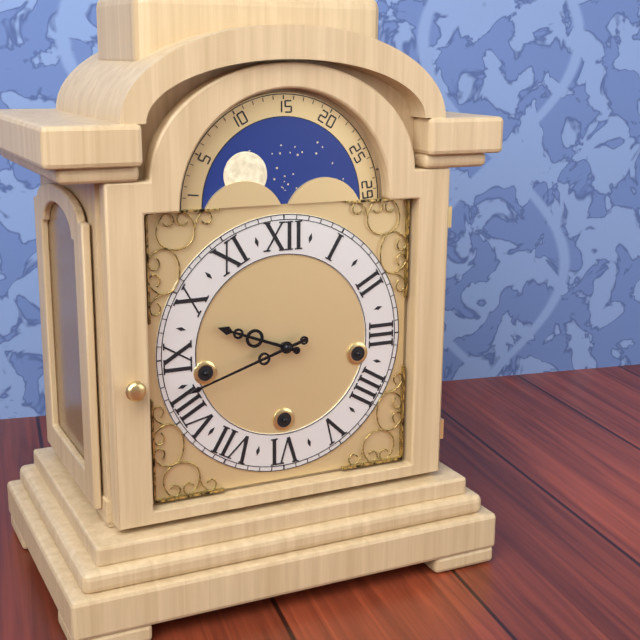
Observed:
{"hour": 9, "minute": 42}
